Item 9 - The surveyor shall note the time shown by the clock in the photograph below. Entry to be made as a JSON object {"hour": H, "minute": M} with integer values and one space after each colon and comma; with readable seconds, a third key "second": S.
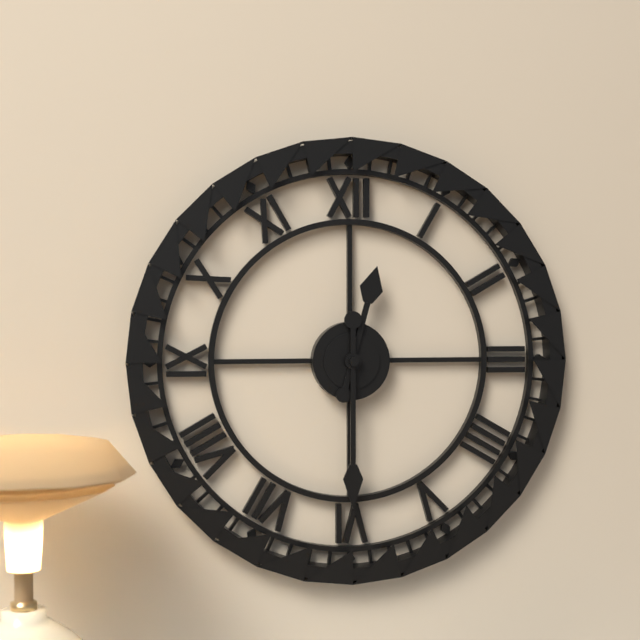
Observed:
{"hour": 12, "minute": 30}
